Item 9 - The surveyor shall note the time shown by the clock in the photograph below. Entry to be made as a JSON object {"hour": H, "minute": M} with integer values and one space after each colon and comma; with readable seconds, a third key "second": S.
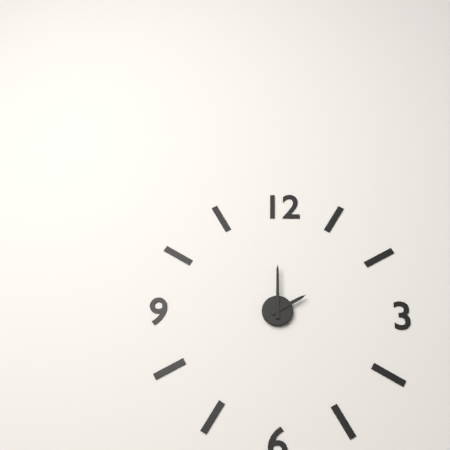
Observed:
{"hour": 2, "minute": 0}
